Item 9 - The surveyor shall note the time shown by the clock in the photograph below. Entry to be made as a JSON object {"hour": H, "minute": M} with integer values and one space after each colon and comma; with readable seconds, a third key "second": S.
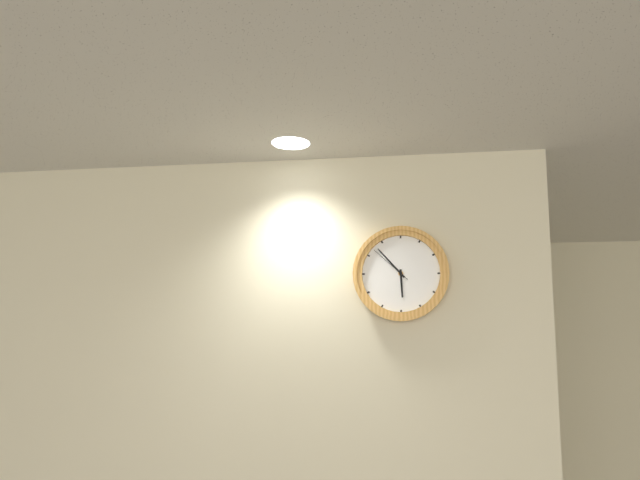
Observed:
{"hour": 5, "minute": 53}
